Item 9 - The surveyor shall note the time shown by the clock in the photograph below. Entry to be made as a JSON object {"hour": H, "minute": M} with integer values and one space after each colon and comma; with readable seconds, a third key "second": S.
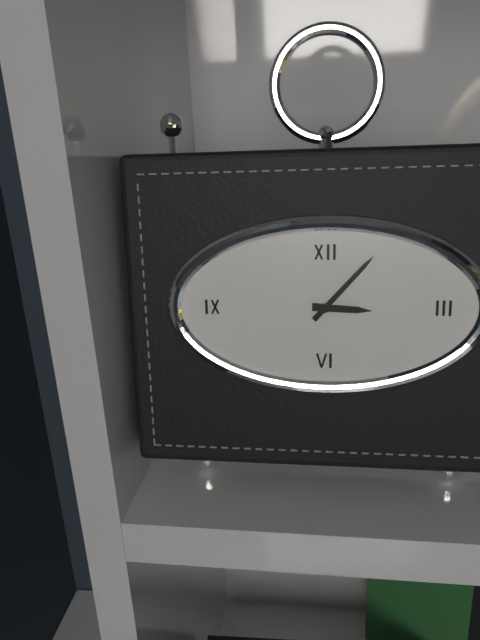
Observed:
{"hour": 3, "minute": 7}
